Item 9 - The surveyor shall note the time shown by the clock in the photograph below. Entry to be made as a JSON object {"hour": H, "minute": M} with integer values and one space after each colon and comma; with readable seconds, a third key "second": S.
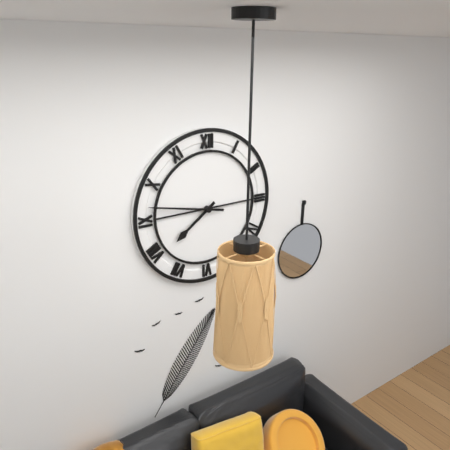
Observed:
{"hour": 7, "minute": 47}
